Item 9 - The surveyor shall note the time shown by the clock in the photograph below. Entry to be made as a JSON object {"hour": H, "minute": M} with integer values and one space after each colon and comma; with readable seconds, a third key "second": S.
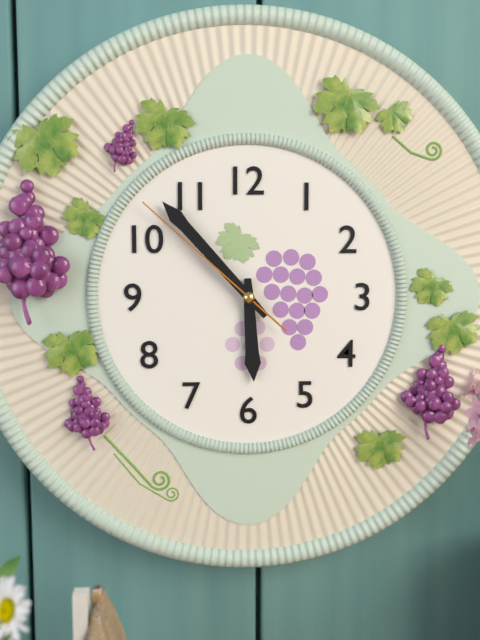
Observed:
{"hour": 5, "minute": 53, "second": 52}
